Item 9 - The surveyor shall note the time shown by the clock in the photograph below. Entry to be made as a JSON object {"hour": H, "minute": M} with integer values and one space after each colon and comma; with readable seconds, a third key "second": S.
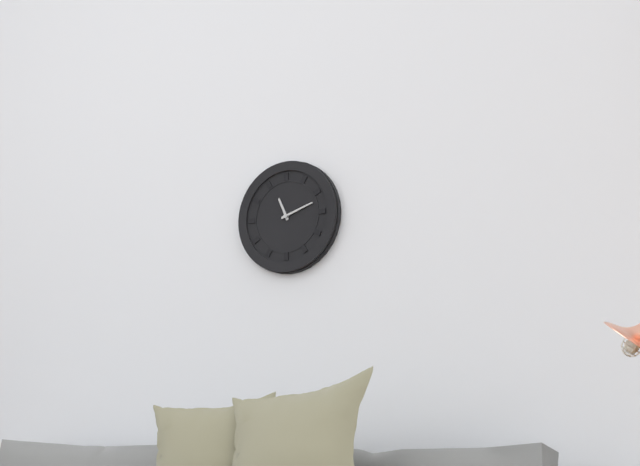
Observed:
{"hour": 11, "minute": 12}
